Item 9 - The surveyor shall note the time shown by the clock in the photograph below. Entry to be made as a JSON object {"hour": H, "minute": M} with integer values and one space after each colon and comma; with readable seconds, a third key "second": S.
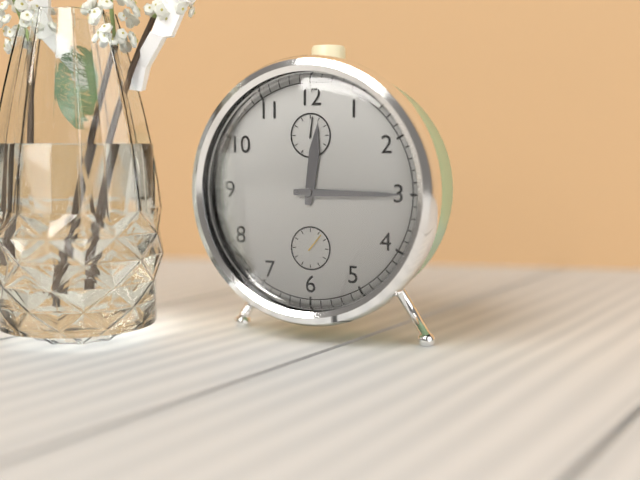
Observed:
{"hour": 12, "minute": 15}
